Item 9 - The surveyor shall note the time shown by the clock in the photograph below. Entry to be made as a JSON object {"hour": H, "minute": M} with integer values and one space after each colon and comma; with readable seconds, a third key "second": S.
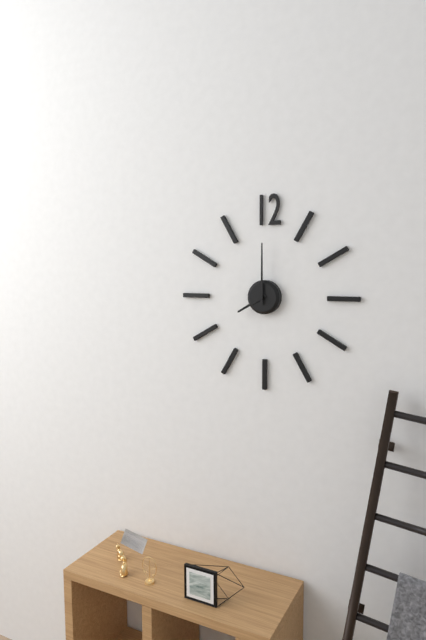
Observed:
{"hour": 8, "minute": 0}
